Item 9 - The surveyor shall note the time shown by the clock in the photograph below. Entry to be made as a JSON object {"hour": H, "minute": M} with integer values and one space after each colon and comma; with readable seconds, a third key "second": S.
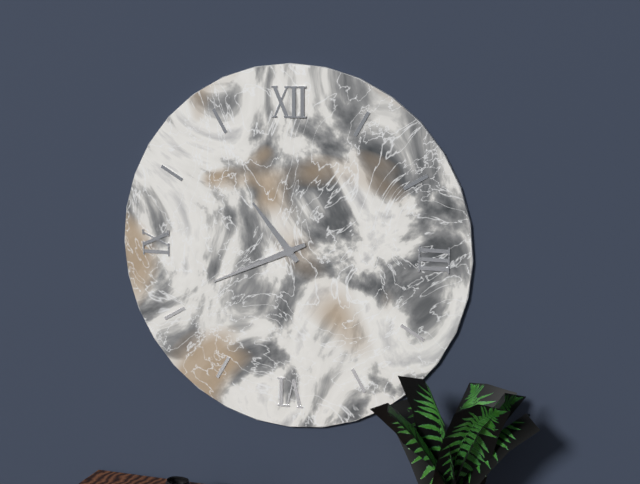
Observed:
{"hour": 10, "minute": 41}
